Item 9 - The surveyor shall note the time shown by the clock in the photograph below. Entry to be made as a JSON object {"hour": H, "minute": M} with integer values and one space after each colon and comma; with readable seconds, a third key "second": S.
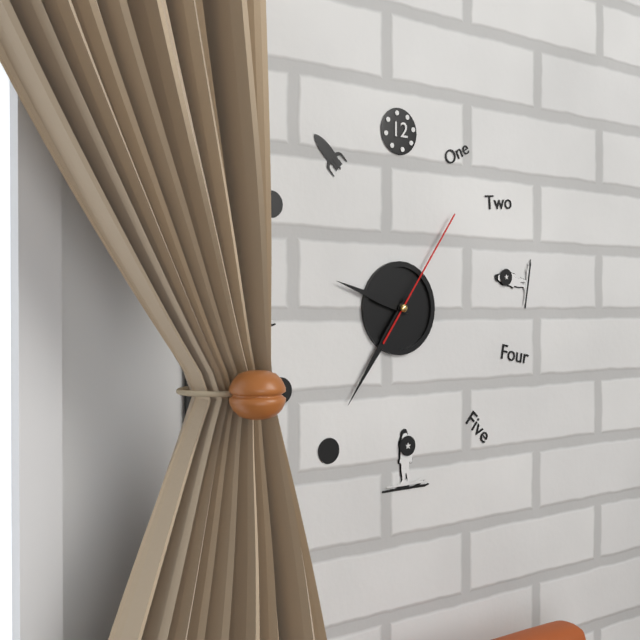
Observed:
{"hour": 9, "minute": 36, "second": 6}
